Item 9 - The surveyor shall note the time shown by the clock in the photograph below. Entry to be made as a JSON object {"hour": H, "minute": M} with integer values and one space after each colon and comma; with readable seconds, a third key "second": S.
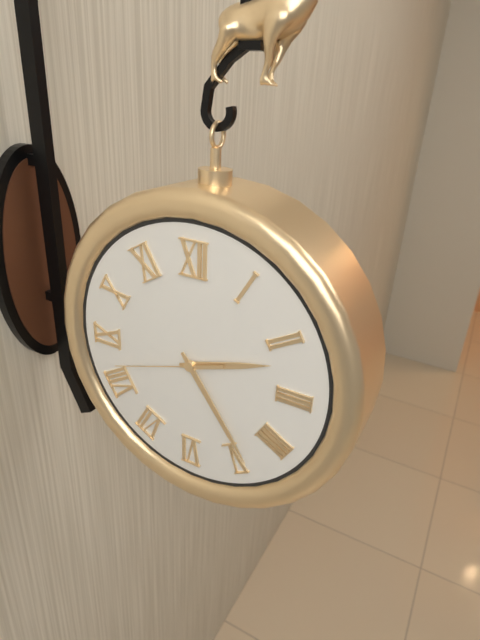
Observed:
{"hour": 2, "minute": 24, "second": 42}
